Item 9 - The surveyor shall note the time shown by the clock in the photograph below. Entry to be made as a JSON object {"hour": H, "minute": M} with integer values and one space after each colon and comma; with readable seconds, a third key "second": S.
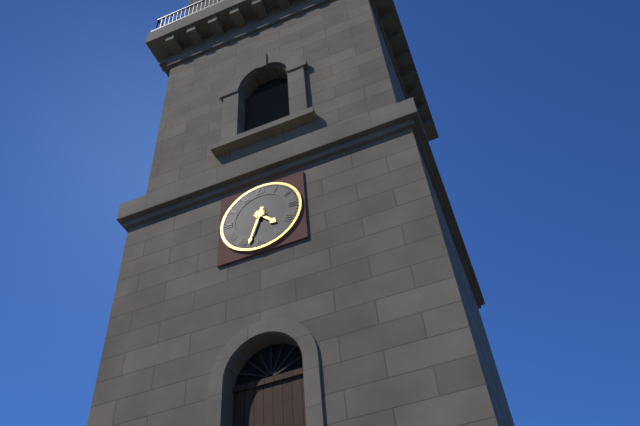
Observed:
{"hour": 4, "minute": 33}
